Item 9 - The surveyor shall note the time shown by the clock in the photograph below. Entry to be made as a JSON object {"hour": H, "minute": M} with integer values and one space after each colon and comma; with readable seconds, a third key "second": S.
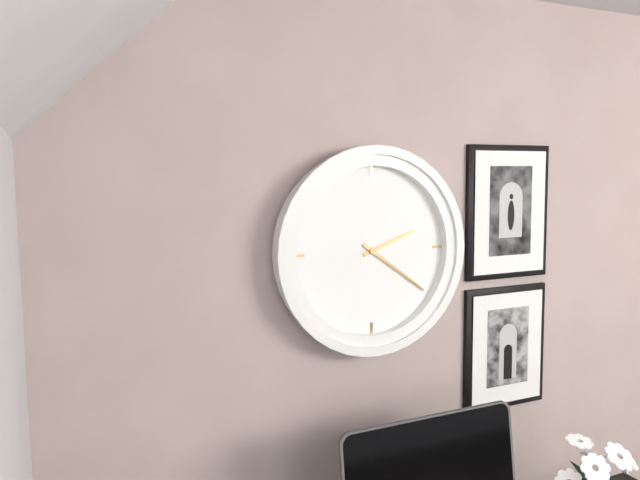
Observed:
{"hour": 2, "minute": 21}
